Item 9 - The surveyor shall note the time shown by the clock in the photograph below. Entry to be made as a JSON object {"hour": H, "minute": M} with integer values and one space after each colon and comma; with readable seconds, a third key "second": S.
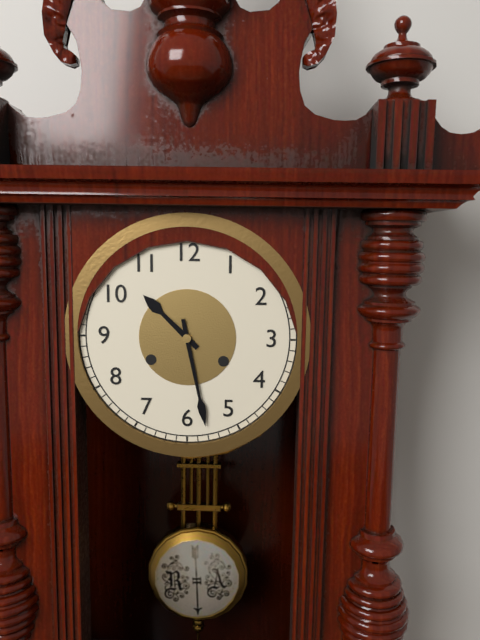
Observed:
{"hour": 10, "minute": 28}
